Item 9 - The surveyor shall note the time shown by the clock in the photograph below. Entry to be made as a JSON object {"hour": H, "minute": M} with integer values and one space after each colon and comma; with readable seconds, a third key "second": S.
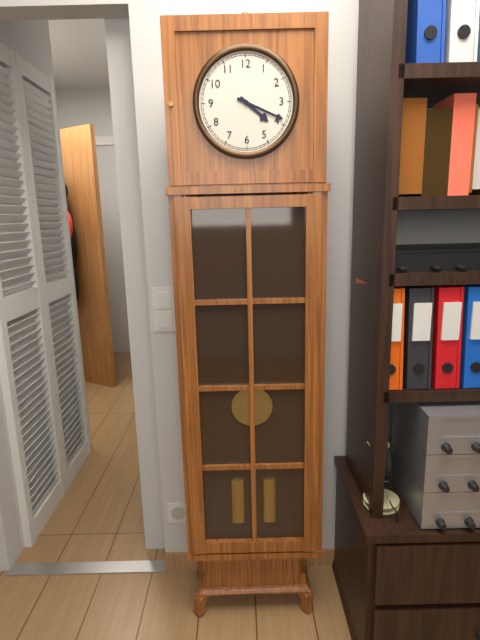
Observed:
{"hour": 4, "minute": 19}
